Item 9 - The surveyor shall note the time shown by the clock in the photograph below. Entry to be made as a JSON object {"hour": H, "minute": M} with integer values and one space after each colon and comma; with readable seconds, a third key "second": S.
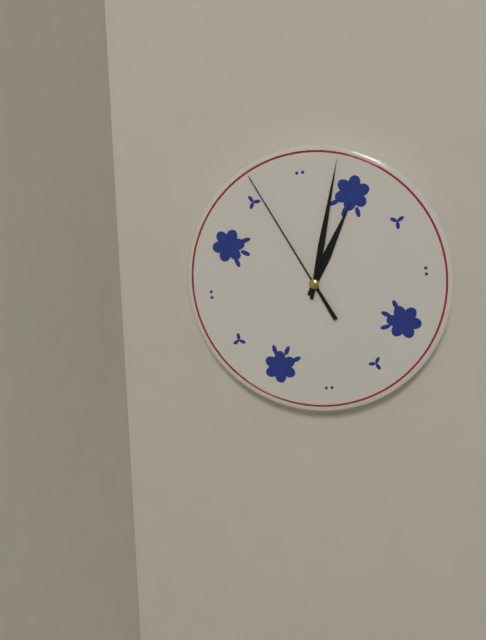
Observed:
{"hour": 1, "minute": 3, "second": 56}
